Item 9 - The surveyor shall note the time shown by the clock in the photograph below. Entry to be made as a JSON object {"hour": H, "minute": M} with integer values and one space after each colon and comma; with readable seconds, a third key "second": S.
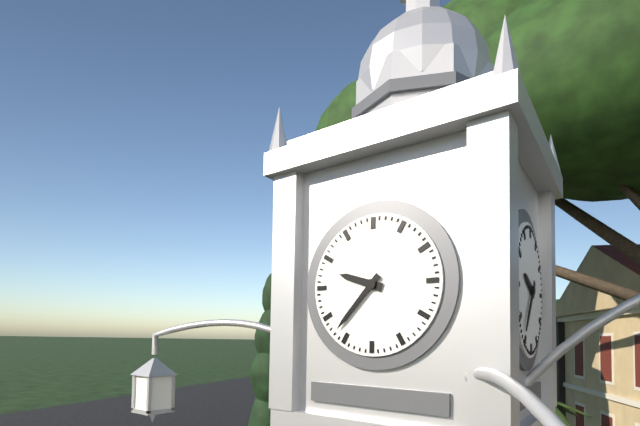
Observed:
{"hour": 9, "minute": 37}
